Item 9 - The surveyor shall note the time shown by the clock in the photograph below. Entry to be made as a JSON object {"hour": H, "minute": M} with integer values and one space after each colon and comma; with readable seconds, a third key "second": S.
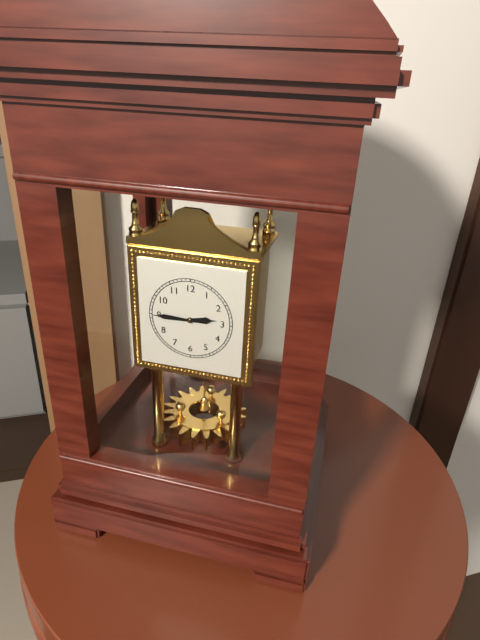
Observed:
{"hour": 2, "minute": 45}
